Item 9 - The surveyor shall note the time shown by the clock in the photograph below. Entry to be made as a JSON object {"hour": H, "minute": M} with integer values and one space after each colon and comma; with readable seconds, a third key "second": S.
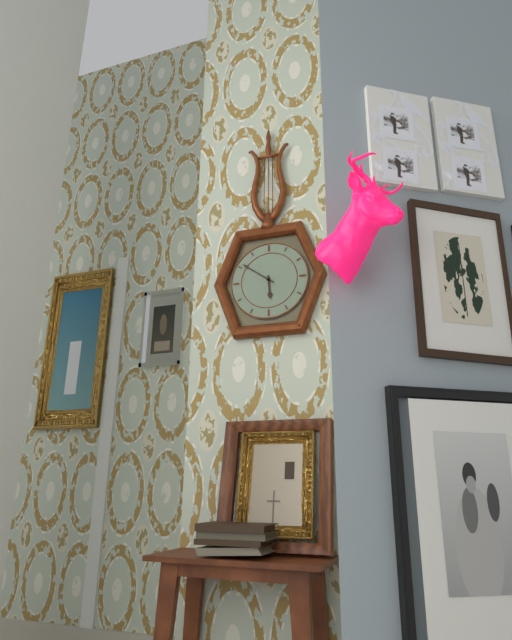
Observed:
{"hour": 5, "minute": 51}
